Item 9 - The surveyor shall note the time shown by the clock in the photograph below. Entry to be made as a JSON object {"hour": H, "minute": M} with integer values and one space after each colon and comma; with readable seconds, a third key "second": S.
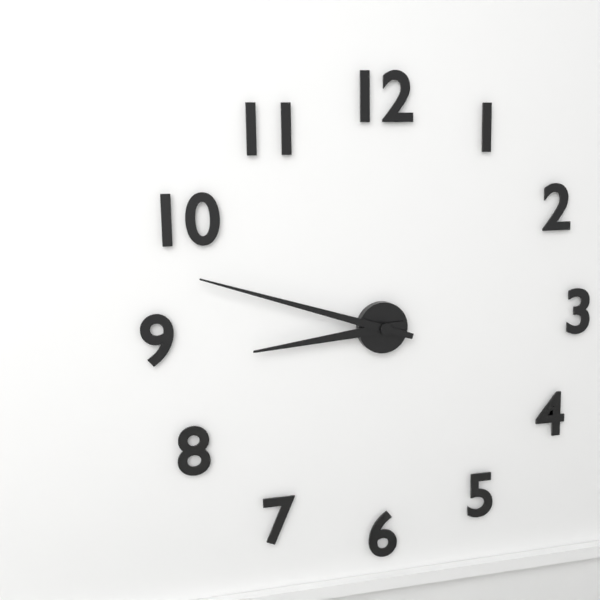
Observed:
{"hour": 8, "minute": 48}
